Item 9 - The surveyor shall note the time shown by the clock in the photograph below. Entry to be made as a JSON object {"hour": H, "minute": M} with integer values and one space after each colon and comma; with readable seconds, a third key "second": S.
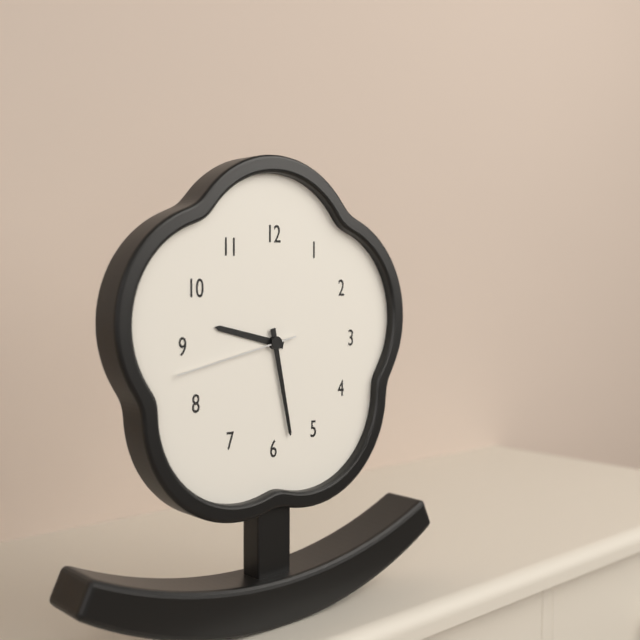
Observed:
{"hour": 9, "minute": 28, "second": 43}
